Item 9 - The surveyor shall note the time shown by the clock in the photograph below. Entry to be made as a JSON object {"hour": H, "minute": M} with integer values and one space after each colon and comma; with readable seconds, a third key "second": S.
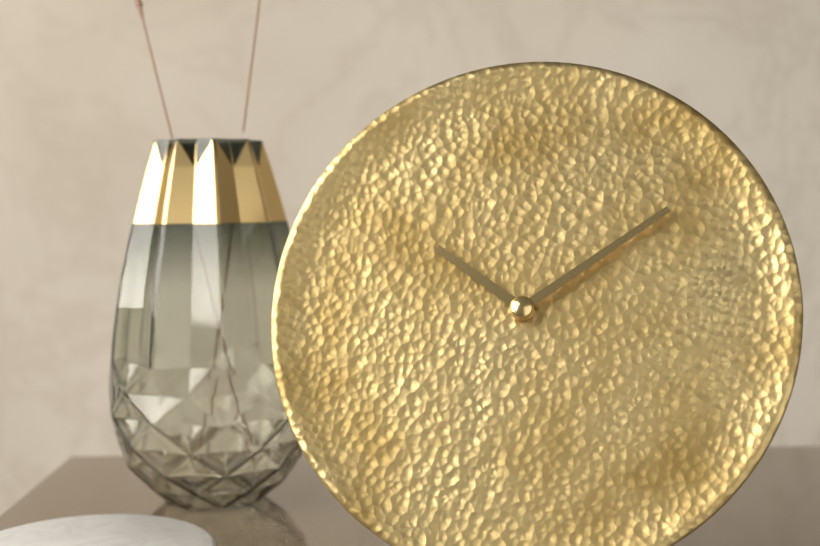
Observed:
{"hour": 10, "minute": 9}
